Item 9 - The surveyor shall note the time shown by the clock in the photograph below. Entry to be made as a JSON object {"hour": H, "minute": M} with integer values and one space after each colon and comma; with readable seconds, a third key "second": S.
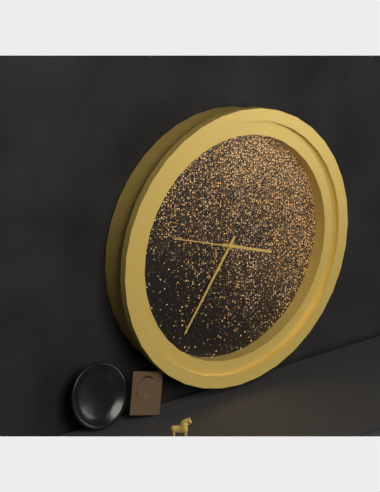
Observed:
{"hour": 3, "minute": 36, "second": 48}
